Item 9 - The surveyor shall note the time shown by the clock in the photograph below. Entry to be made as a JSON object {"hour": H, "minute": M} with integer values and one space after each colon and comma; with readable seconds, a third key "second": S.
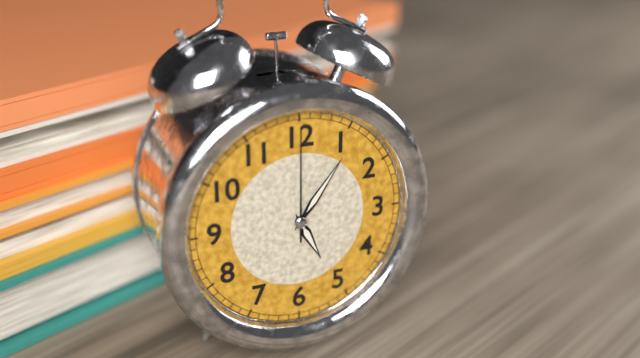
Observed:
{"hour": 5, "minute": 6, "second": 0}
